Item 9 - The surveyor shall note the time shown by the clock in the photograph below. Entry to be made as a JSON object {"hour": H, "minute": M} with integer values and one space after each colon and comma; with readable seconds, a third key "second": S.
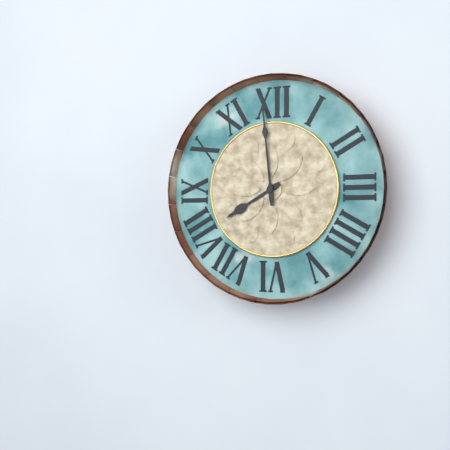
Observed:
{"hour": 7, "minute": 59}
